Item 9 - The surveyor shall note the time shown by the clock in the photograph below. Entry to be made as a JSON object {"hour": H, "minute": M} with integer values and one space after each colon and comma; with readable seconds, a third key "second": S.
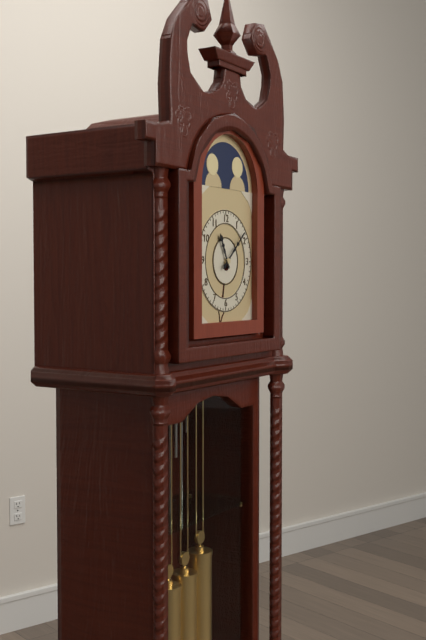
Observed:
{"hour": 11, "minute": 8}
